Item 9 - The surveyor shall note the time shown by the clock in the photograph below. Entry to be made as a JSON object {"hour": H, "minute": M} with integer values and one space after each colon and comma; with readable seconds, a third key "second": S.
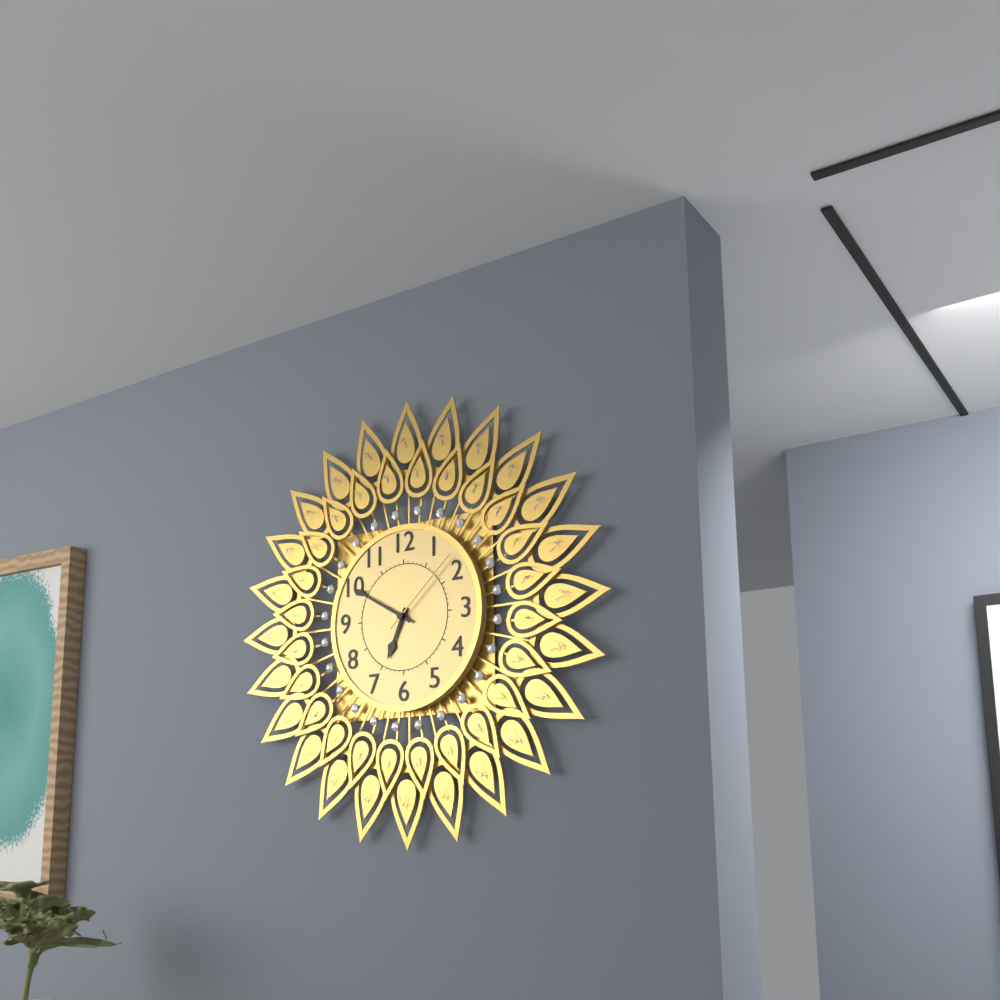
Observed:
{"hour": 6, "minute": 50, "second": 8}
